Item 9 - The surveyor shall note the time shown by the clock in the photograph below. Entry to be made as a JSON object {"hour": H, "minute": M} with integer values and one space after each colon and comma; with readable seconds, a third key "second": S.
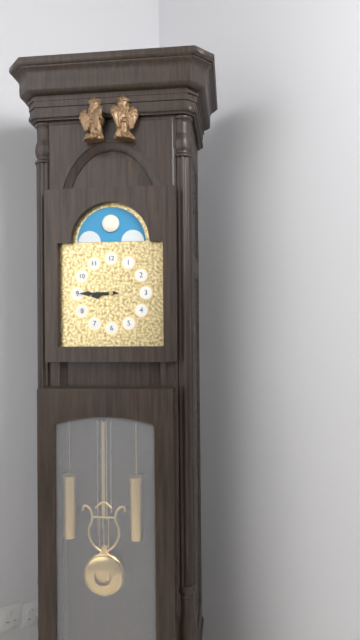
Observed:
{"hour": 8, "minute": 45}
